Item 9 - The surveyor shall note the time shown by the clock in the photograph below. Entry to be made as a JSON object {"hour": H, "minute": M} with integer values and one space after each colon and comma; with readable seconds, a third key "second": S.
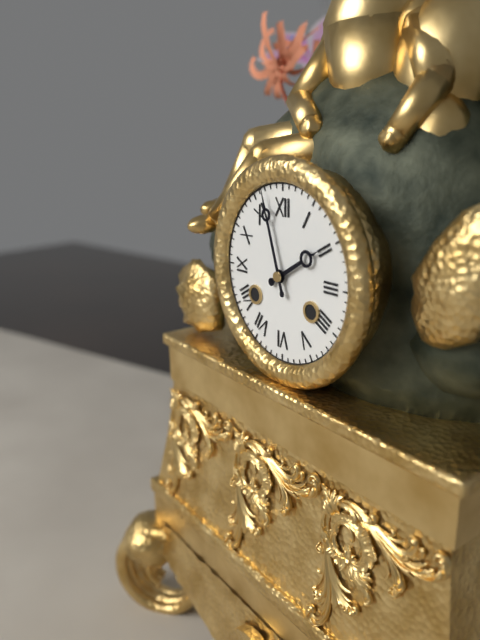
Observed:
{"hour": 1, "minute": 57}
